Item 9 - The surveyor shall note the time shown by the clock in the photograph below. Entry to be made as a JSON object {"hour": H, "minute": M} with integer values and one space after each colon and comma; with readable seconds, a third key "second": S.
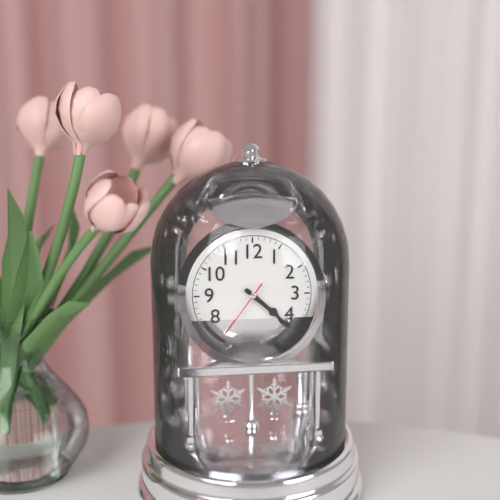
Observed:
{"hour": 4, "minute": 22, "second": 36}
